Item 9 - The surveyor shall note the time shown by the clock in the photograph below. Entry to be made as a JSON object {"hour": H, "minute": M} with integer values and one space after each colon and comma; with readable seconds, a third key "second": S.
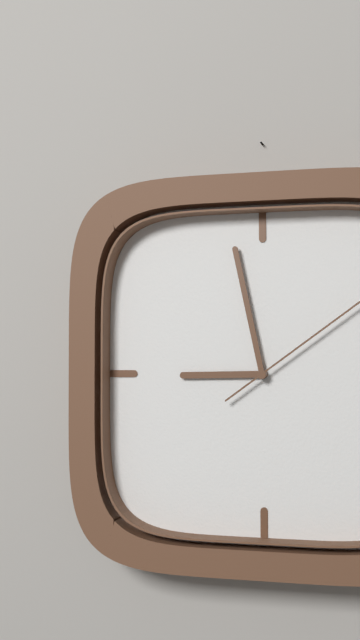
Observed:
{"hour": 8, "minute": 58}
